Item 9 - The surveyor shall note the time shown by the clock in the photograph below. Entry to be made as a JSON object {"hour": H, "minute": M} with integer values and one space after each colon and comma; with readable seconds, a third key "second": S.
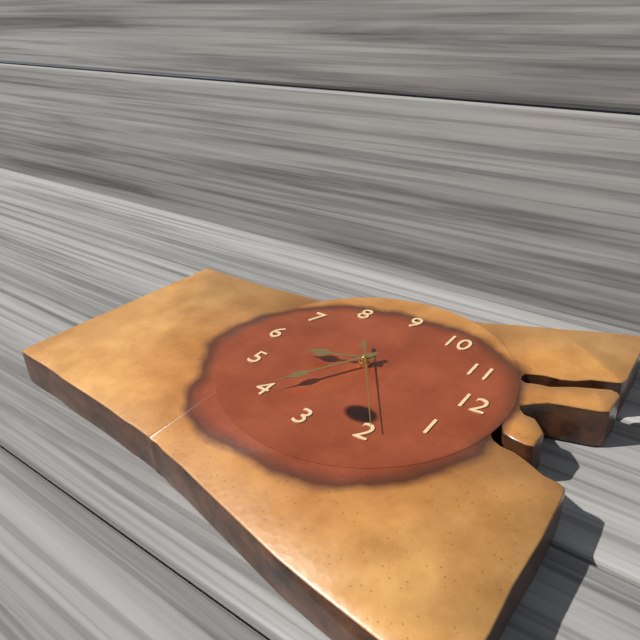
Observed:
{"hour": 5, "minute": 20, "second": 9}
